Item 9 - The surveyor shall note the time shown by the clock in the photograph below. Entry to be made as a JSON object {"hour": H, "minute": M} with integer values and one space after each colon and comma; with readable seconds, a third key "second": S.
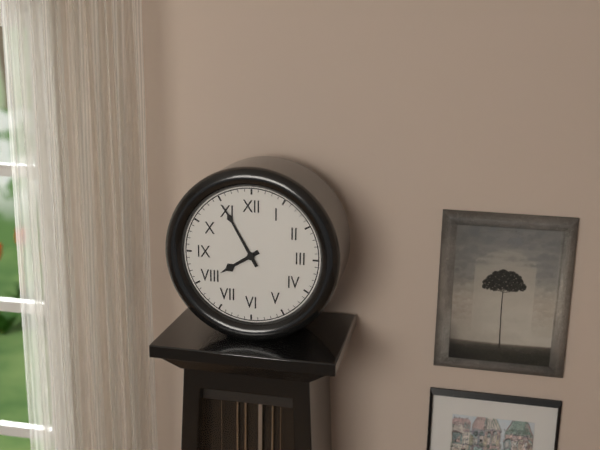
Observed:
{"hour": 7, "minute": 55}
